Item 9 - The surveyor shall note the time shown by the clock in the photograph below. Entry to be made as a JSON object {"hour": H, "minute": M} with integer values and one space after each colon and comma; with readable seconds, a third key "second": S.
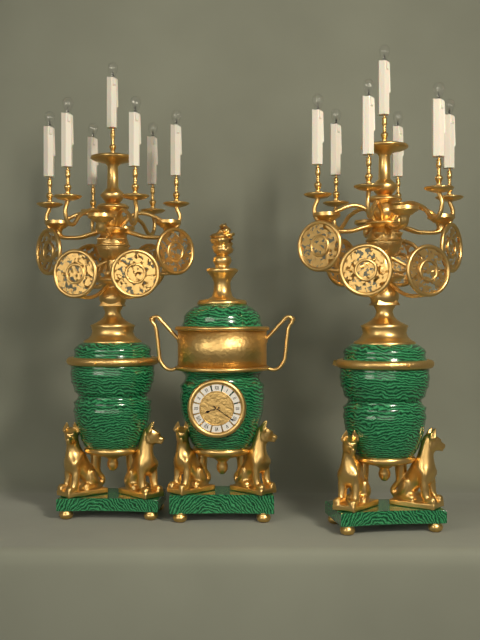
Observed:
{"hour": 8, "minute": 21}
